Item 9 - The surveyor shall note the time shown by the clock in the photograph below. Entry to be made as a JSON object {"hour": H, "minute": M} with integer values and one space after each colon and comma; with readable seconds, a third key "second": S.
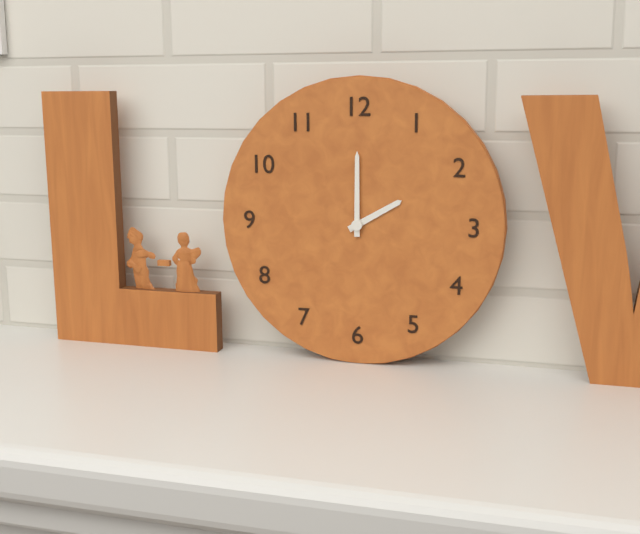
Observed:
{"hour": 2, "minute": 0}
